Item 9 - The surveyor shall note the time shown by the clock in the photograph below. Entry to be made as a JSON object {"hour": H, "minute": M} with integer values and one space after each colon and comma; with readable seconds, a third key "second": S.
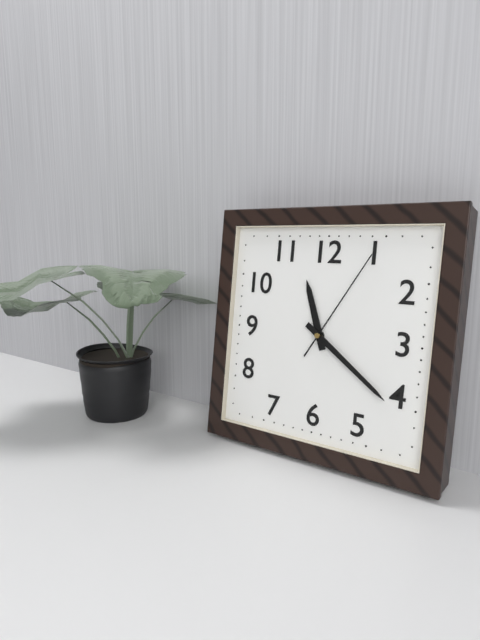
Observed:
{"hour": 11, "minute": 21, "second": 5}
